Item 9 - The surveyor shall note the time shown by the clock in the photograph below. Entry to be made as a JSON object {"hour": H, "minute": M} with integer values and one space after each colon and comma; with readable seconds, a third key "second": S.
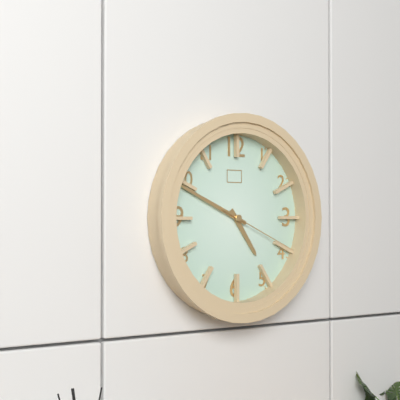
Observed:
{"hour": 4, "minute": 49, "second": 19}
